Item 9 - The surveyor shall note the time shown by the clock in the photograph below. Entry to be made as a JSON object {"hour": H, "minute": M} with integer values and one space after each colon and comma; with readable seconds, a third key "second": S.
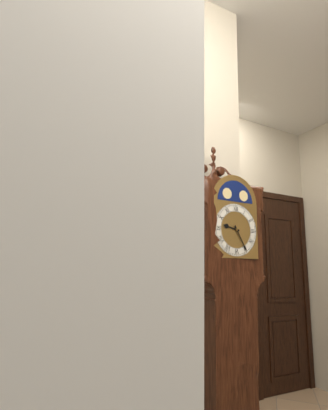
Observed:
{"hour": 9, "minute": 25}
